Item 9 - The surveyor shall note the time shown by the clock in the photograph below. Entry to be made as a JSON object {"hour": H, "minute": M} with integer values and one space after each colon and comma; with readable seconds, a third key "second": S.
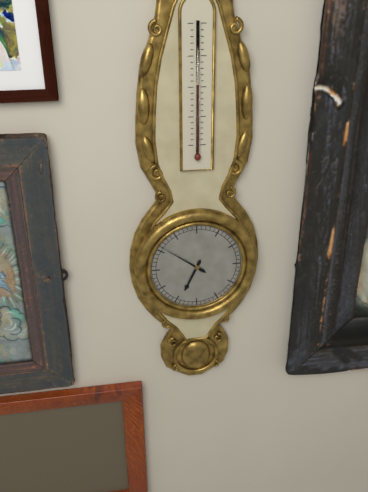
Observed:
{"hour": 6, "minute": 51}
